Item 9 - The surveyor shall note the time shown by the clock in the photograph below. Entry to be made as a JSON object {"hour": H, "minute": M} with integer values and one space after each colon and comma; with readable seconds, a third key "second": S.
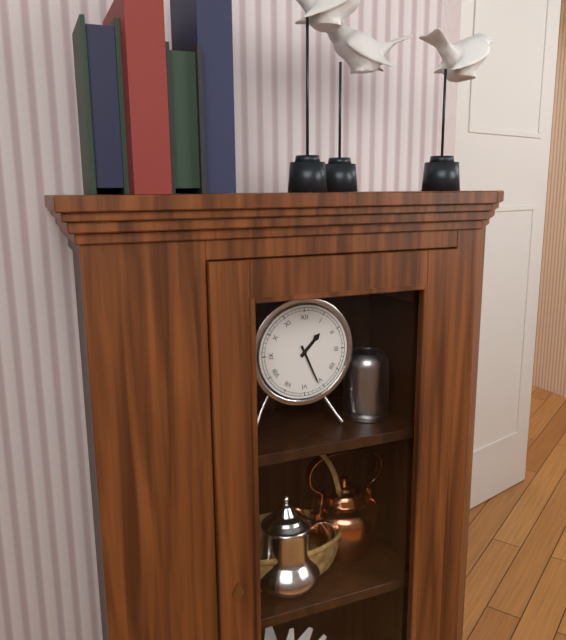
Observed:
{"hour": 1, "minute": 26}
